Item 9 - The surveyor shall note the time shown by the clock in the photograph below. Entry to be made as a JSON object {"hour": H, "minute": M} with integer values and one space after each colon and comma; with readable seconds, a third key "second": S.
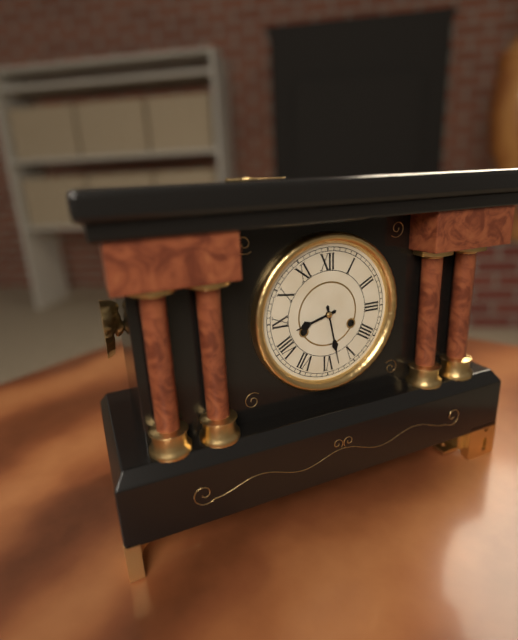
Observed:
{"hour": 8, "minute": 28}
